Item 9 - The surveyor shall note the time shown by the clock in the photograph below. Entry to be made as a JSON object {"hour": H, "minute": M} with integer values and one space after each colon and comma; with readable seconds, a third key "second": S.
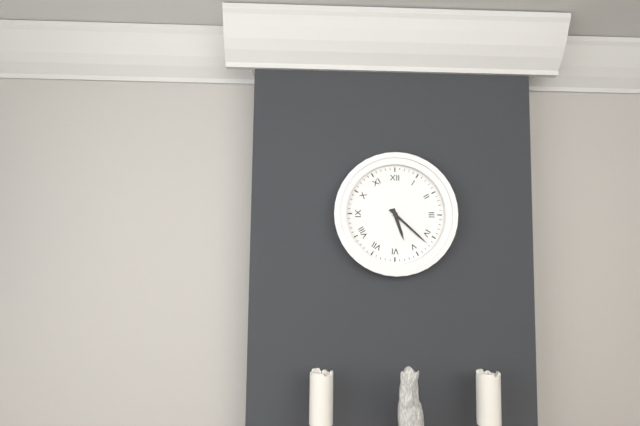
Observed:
{"hour": 5, "minute": 22}
